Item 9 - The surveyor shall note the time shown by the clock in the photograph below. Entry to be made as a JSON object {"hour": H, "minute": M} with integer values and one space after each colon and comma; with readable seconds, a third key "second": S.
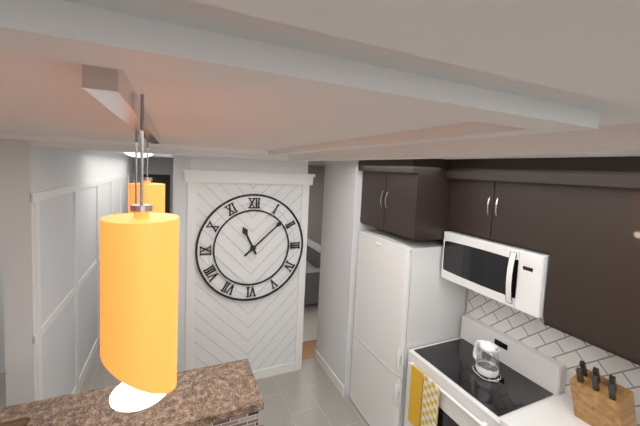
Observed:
{"hour": 11, "minute": 8}
